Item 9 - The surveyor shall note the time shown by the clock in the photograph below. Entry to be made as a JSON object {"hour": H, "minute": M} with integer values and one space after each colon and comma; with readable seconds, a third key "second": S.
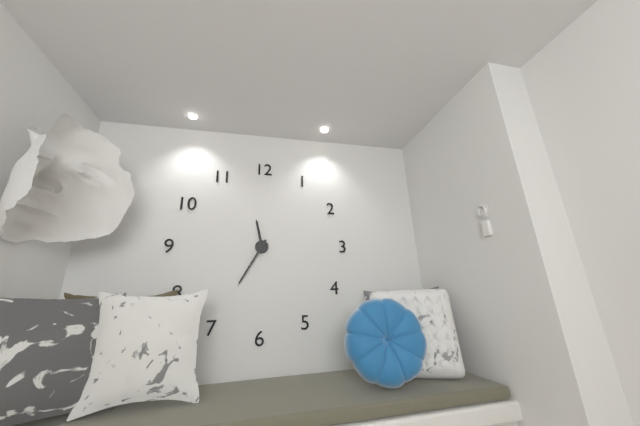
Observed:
{"hour": 11, "minute": 35}
